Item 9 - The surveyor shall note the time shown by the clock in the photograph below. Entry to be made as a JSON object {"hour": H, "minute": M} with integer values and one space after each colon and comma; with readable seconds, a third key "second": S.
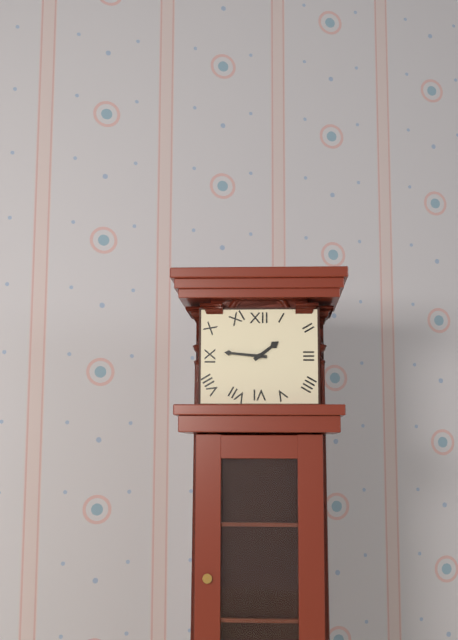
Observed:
{"hour": 1, "minute": 46}
